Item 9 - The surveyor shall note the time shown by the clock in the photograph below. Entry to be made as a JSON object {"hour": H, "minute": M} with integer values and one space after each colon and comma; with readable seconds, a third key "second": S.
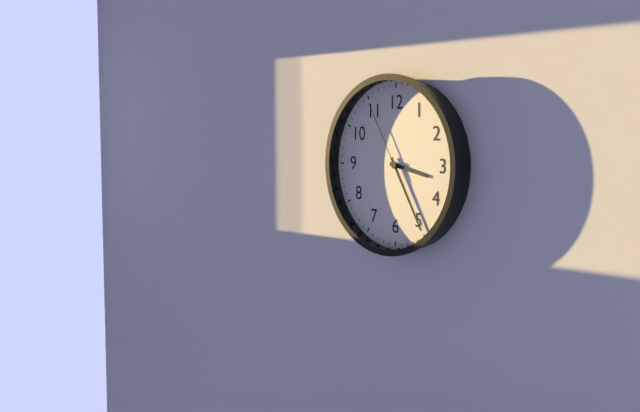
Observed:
{"hour": 3, "minute": 25, "second": 55}
